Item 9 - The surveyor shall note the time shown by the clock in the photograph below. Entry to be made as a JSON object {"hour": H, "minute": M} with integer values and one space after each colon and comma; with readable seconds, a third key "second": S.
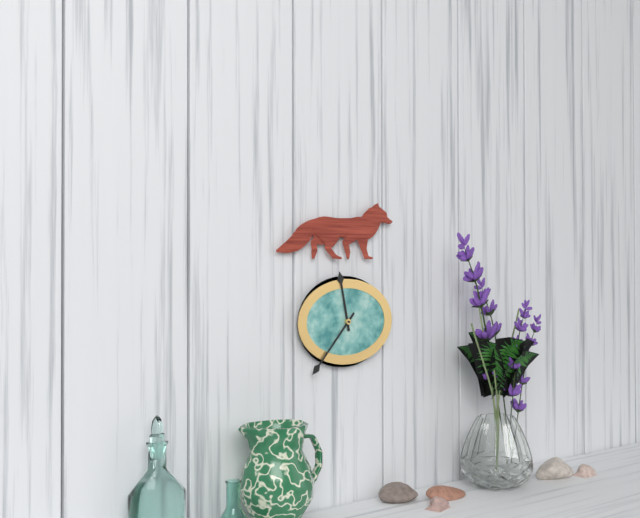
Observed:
{"hour": 11, "minute": 37}
